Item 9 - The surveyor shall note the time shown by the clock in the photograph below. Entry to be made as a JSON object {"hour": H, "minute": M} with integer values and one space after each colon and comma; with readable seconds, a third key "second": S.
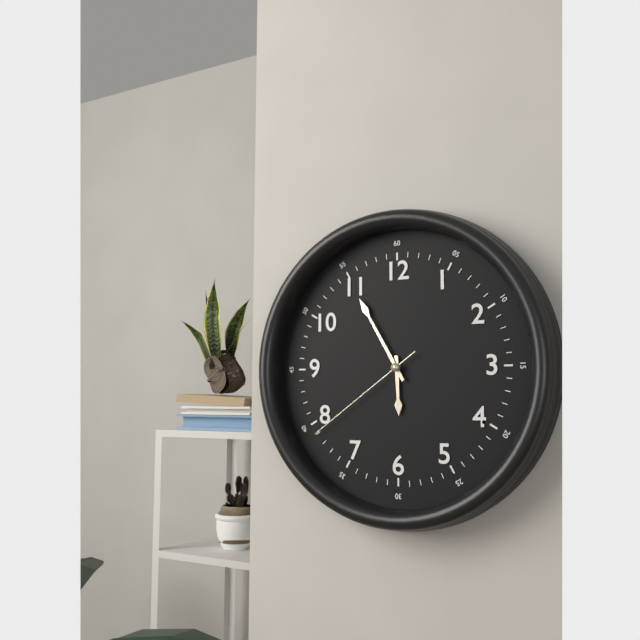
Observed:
{"hour": 5, "minute": 55, "second": 39}
